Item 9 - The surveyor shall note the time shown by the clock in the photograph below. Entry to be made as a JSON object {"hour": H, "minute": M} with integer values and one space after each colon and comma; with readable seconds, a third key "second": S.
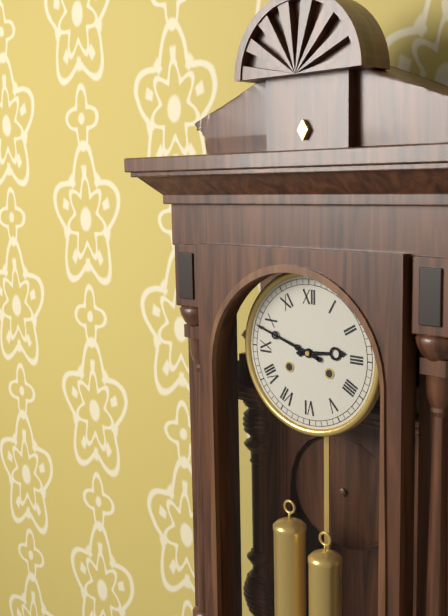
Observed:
{"hour": 2, "minute": 48}
